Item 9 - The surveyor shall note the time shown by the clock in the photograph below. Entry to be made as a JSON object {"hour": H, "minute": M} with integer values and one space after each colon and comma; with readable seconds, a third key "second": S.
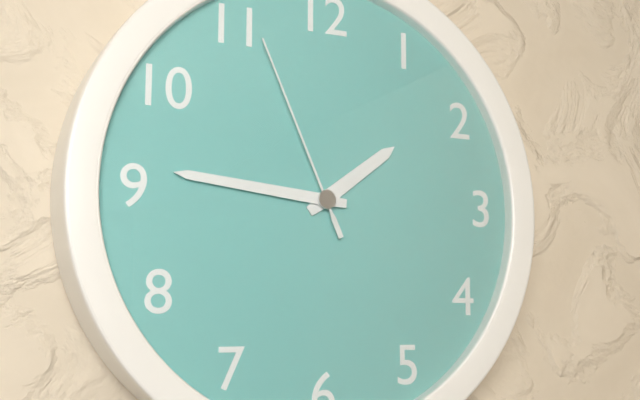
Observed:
{"hour": 1, "minute": 46, "second": 56}
